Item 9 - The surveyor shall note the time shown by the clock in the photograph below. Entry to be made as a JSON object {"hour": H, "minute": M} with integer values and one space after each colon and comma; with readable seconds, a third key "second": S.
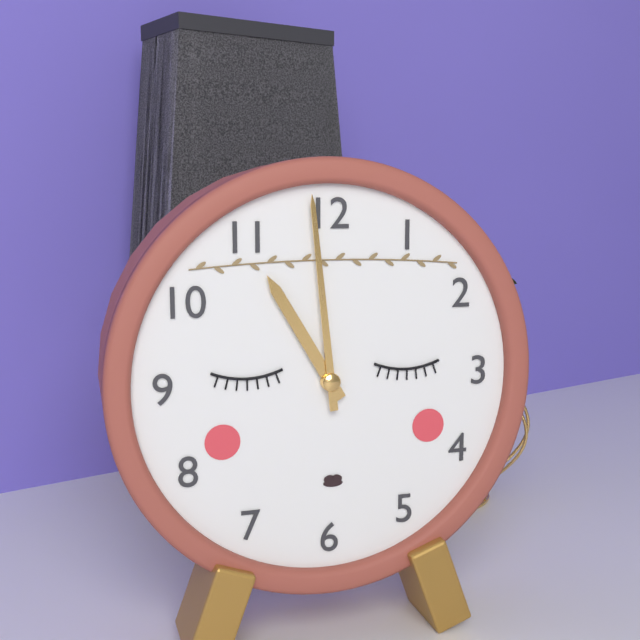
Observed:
{"hour": 10, "minute": 59}
